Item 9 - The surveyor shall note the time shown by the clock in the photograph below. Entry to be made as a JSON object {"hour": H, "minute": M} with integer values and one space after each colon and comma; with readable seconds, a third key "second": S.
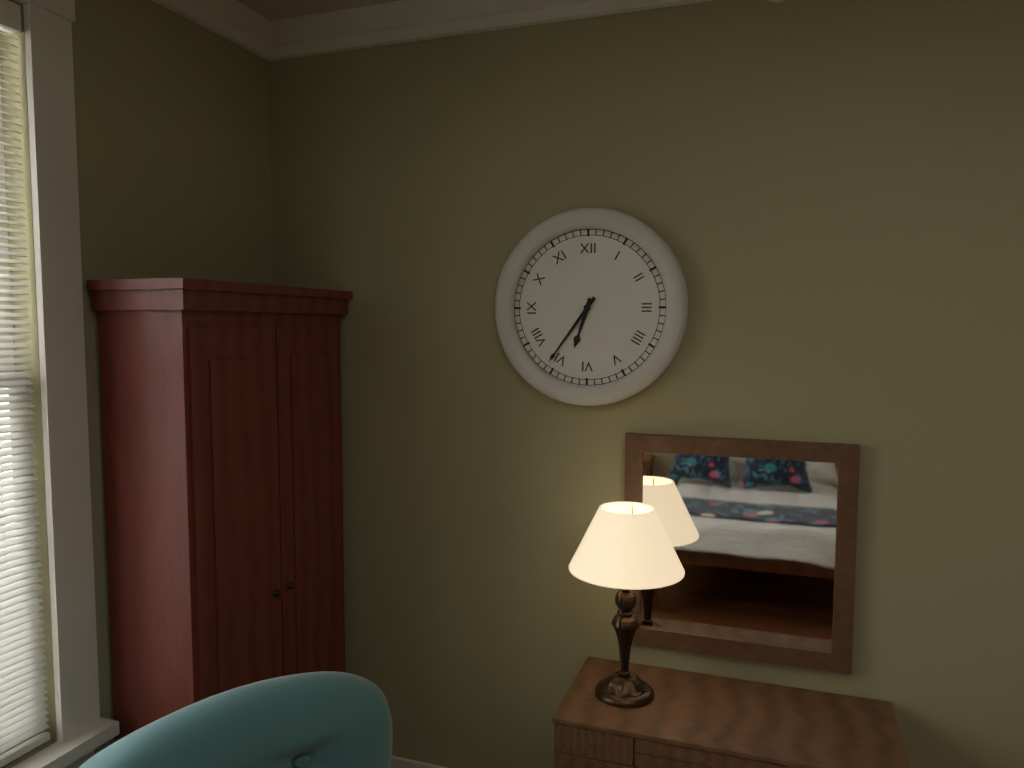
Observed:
{"hour": 6, "minute": 36}
